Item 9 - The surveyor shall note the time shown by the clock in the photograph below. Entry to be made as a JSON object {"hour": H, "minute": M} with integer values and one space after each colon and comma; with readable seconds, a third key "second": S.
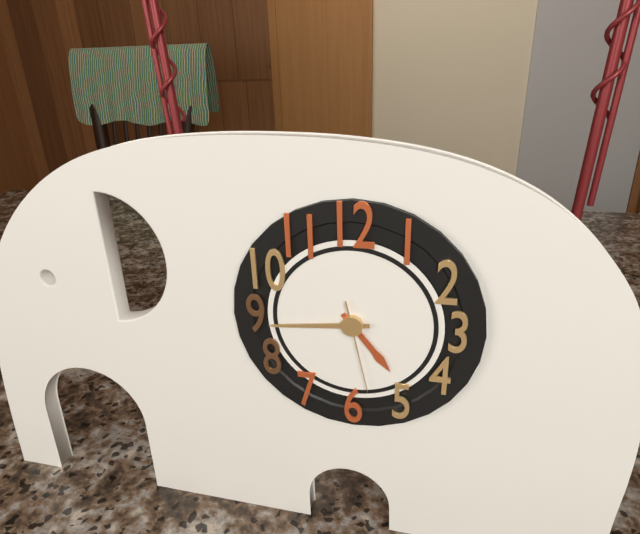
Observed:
{"hour": 4, "minute": 44, "second": 28}
